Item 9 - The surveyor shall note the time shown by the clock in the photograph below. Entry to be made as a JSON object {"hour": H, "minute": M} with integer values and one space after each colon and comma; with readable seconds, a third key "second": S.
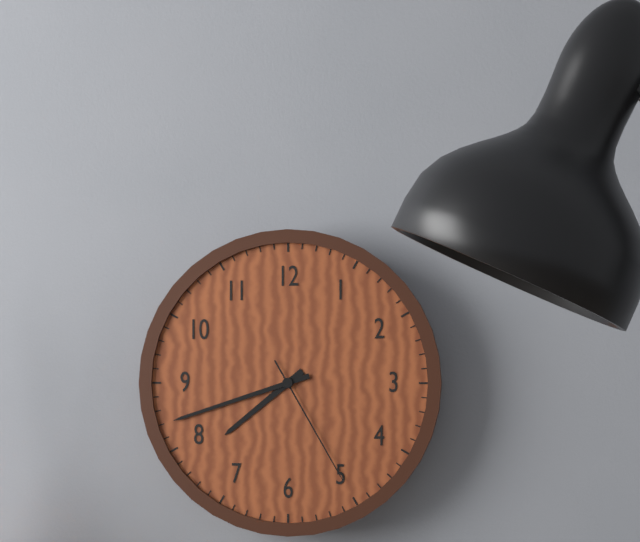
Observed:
{"hour": 7, "minute": 42, "second": 25}
